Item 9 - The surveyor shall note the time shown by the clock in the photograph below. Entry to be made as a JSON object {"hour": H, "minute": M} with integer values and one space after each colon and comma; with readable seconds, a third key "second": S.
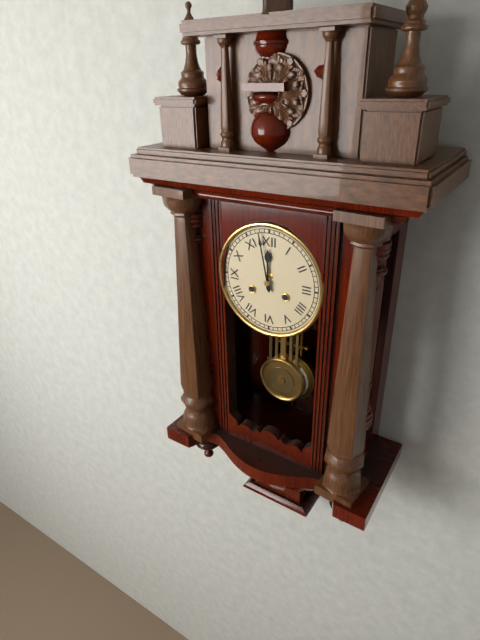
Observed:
{"hour": 11, "minute": 58}
